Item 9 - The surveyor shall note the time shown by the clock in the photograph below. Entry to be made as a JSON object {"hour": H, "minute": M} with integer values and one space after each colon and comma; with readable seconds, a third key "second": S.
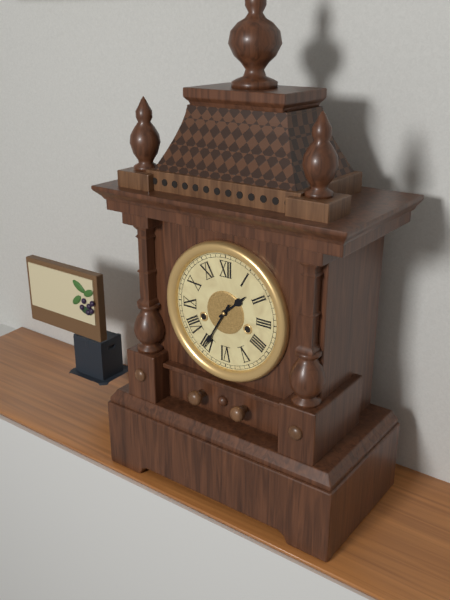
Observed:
{"hour": 1, "minute": 35}
